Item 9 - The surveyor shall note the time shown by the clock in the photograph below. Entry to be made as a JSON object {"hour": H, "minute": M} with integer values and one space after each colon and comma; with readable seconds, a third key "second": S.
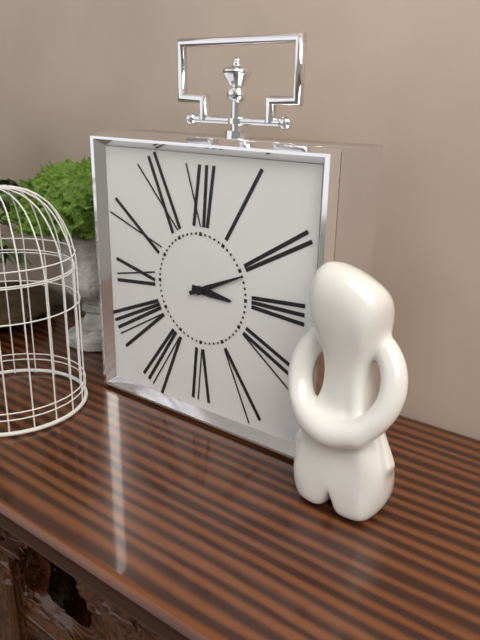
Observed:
{"hour": 3, "minute": 11}
